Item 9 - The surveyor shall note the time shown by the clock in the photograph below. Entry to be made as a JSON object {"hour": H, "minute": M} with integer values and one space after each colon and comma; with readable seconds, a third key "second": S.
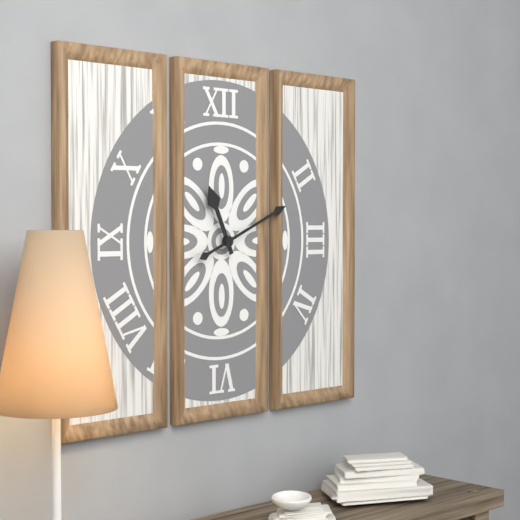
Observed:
{"hour": 11, "minute": 11}
